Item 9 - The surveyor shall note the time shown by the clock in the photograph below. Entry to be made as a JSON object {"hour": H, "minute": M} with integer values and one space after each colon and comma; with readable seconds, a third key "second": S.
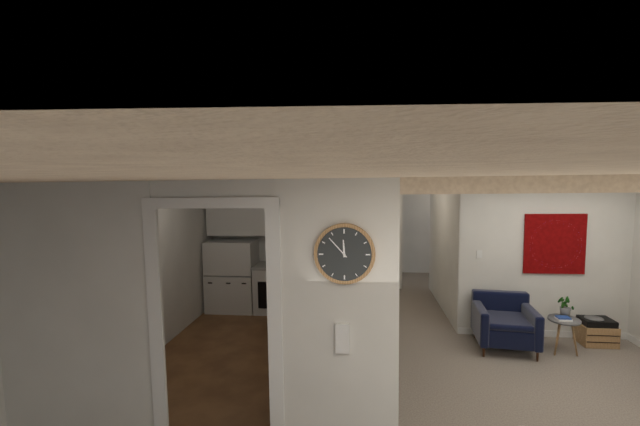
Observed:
{"hour": 11, "minute": 53}
